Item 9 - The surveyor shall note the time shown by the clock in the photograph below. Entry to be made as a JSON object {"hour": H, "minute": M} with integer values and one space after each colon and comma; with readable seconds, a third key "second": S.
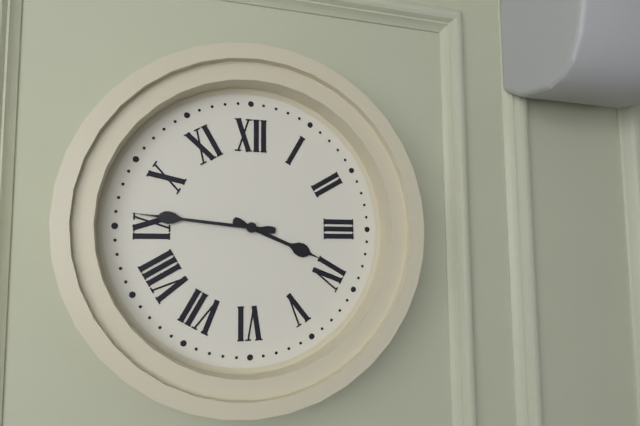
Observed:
{"hour": 3, "minute": 46}
